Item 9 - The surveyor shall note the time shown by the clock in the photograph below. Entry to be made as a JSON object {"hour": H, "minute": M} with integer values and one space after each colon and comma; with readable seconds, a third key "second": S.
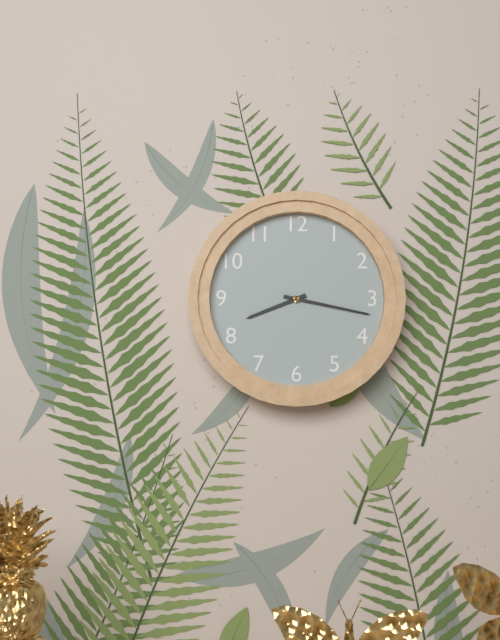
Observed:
{"hour": 8, "minute": 17}
